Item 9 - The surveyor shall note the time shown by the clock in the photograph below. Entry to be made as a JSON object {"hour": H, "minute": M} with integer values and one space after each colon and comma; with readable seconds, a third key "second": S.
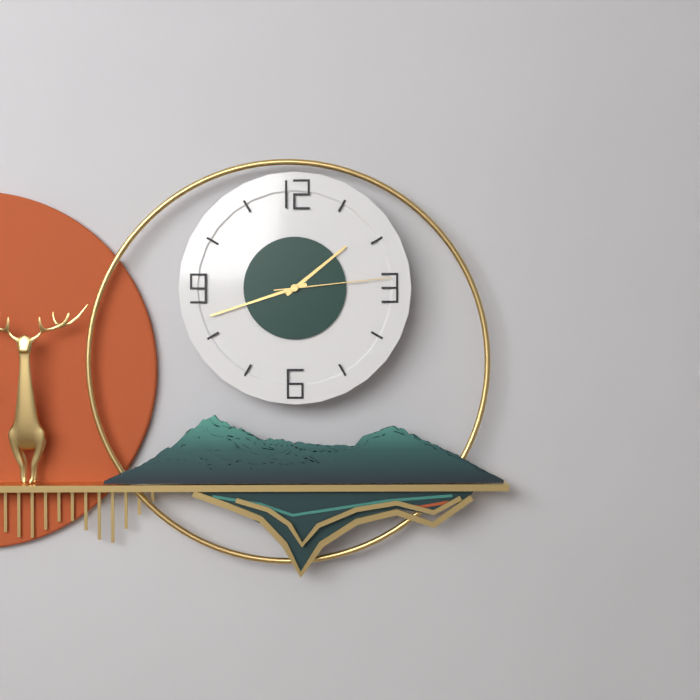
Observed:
{"hour": 1, "minute": 42, "second": 14}
